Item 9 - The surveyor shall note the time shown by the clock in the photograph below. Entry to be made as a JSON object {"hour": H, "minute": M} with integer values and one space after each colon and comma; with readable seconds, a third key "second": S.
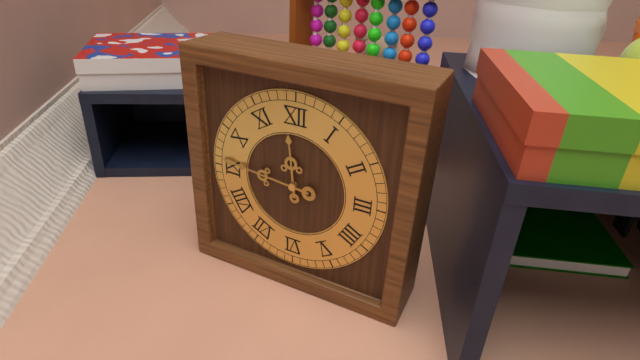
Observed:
{"hour": 11, "minute": 46}
